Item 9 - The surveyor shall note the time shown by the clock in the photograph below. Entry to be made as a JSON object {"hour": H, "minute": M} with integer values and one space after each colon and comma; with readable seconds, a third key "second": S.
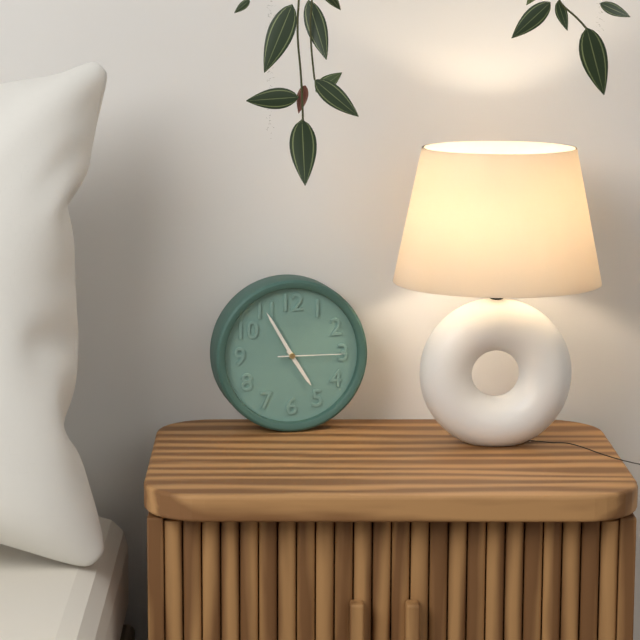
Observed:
{"hour": 4, "minute": 55, "second": 15}
